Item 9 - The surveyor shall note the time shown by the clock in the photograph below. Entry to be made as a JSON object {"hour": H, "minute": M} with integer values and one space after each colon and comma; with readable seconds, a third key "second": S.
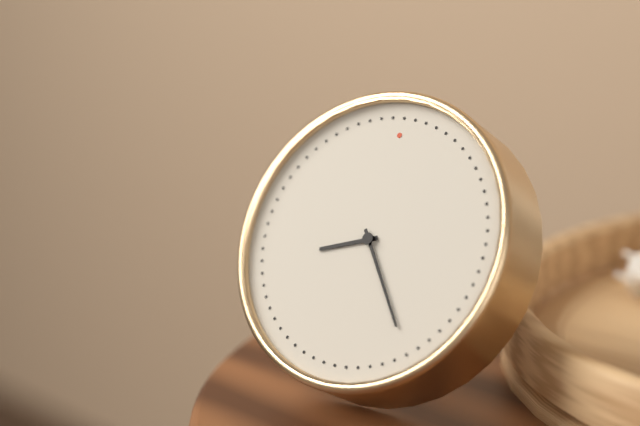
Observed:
{"hour": 8, "minute": 24}
